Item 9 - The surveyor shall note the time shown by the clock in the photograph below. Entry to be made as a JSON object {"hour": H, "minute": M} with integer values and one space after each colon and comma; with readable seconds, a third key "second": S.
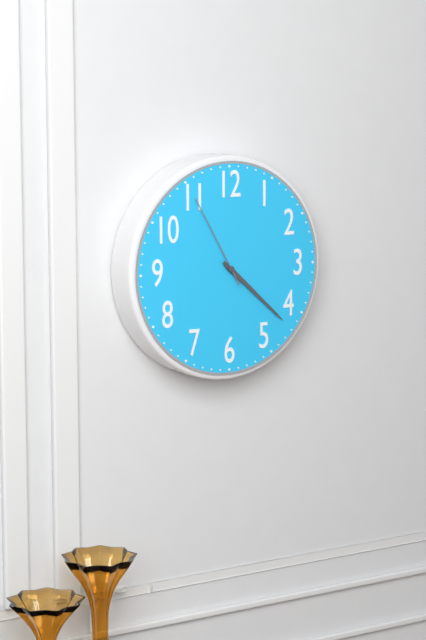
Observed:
{"hour": 4, "minute": 22, "second": 55}
